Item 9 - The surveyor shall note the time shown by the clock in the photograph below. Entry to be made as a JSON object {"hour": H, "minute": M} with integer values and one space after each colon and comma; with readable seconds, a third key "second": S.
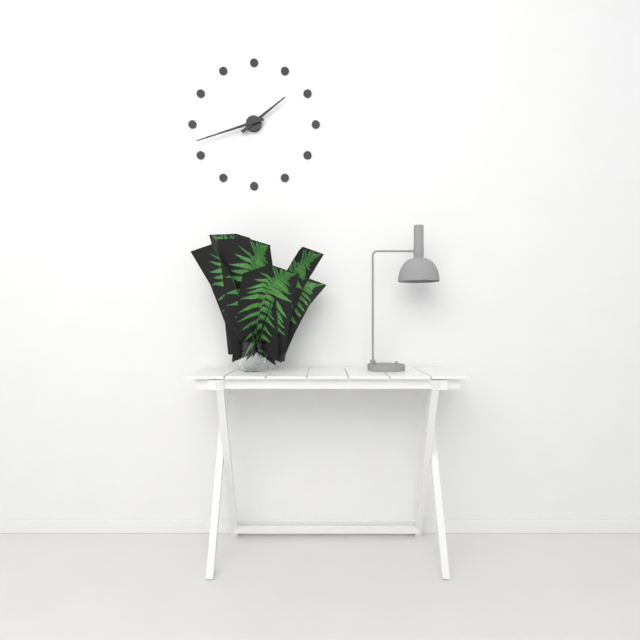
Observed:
{"hour": 1, "minute": 42}
